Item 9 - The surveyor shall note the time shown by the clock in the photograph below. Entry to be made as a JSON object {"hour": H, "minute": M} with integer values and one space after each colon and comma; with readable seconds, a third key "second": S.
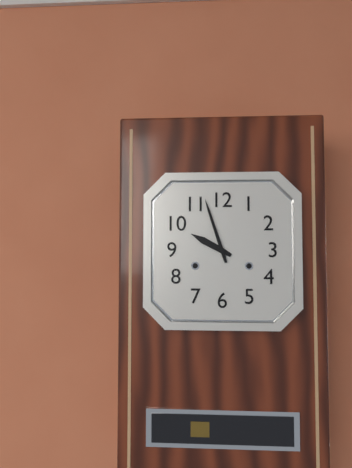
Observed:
{"hour": 9, "minute": 57}
